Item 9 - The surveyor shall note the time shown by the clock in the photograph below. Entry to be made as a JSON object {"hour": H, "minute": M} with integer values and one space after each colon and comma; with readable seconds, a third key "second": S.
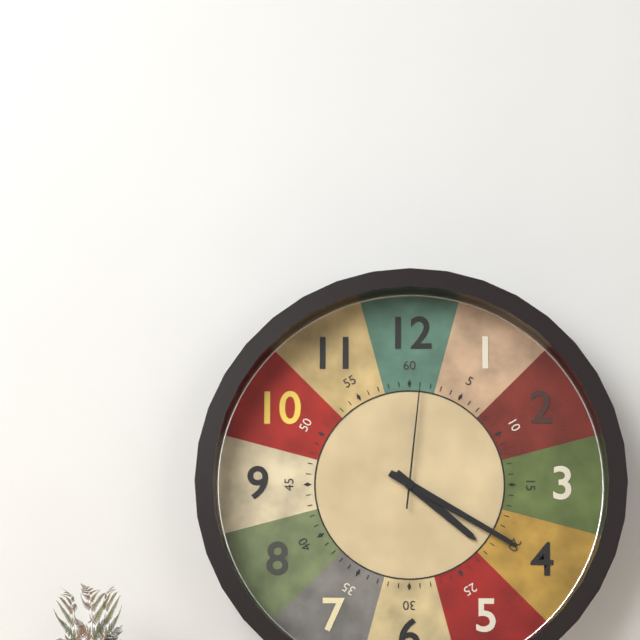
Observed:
{"hour": 4, "minute": 20, "second": 1}
